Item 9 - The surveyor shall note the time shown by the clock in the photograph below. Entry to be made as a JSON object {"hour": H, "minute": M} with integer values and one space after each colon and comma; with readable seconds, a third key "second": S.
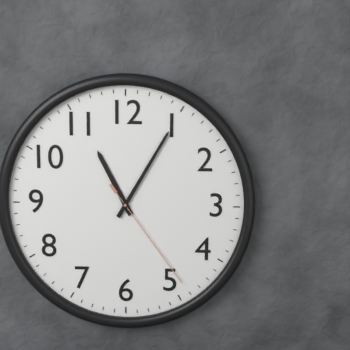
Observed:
{"hour": 11, "minute": 5, "second": 24}
